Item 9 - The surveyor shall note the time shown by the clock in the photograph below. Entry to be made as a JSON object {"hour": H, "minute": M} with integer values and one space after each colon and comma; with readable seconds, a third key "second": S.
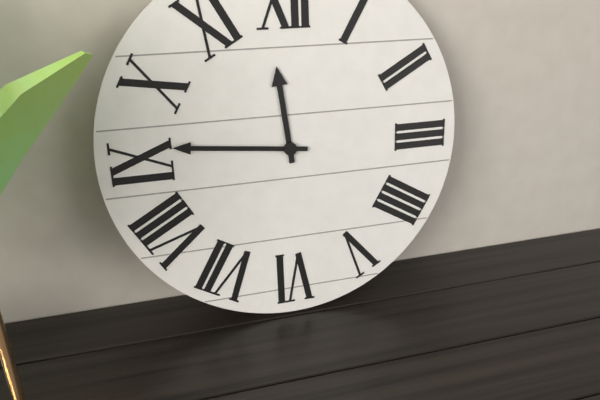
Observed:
{"hour": 11, "minute": 46}
